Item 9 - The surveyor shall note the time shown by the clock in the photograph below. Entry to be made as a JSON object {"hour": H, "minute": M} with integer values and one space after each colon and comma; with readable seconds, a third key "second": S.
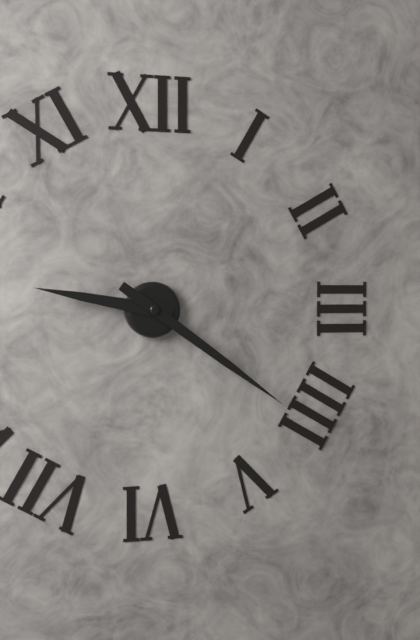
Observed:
{"hour": 9, "minute": 21}
